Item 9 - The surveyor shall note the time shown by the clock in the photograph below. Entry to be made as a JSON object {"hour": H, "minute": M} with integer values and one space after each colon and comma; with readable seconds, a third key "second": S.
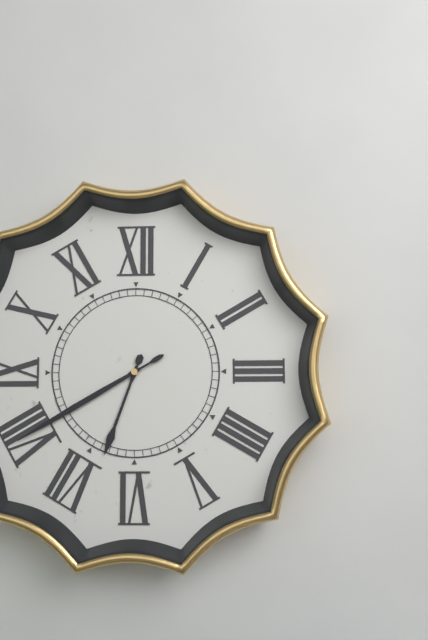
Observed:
{"hour": 6, "minute": 40}
